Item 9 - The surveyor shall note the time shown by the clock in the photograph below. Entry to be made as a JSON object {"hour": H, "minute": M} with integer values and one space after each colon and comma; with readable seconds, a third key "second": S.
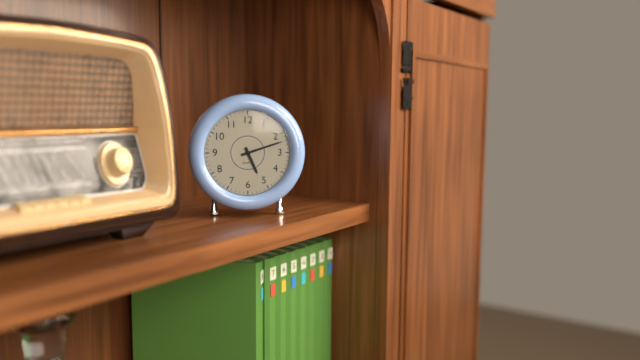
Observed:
{"hour": 5, "minute": 12}
